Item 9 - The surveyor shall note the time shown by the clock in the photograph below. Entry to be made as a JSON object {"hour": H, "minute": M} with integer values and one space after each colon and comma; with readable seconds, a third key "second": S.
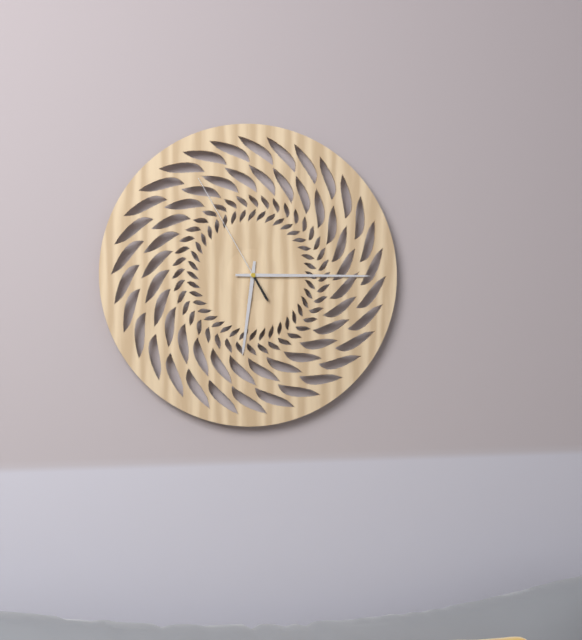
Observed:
{"hour": 6, "minute": 15, "second": 55}
